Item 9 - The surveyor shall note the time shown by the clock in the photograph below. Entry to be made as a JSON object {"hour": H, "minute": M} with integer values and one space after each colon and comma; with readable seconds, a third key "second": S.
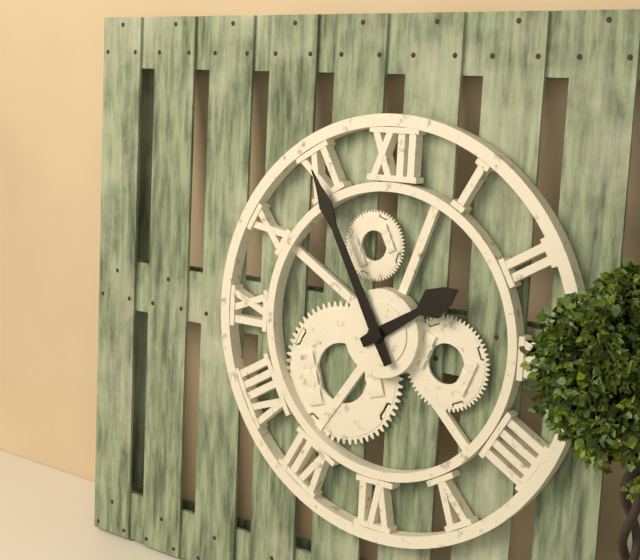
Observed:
{"hour": 1, "minute": 55}
